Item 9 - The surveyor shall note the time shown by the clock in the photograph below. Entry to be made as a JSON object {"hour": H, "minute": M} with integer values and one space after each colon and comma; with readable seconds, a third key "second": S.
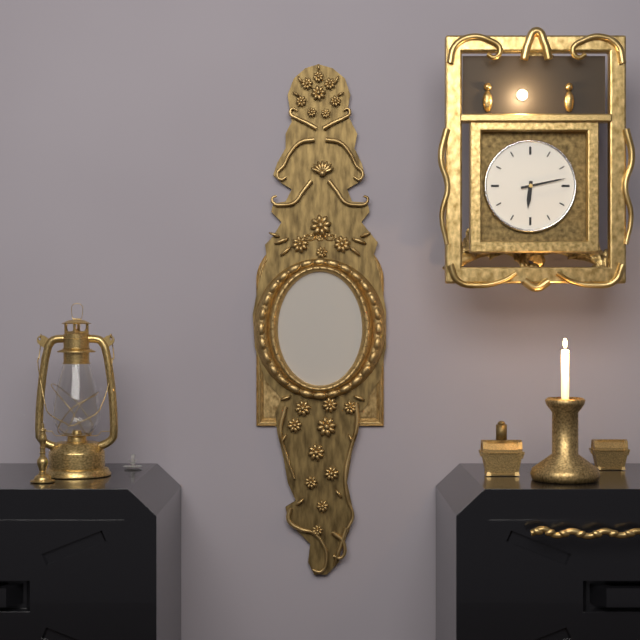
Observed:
{"hour": 6, "minute": 13}
